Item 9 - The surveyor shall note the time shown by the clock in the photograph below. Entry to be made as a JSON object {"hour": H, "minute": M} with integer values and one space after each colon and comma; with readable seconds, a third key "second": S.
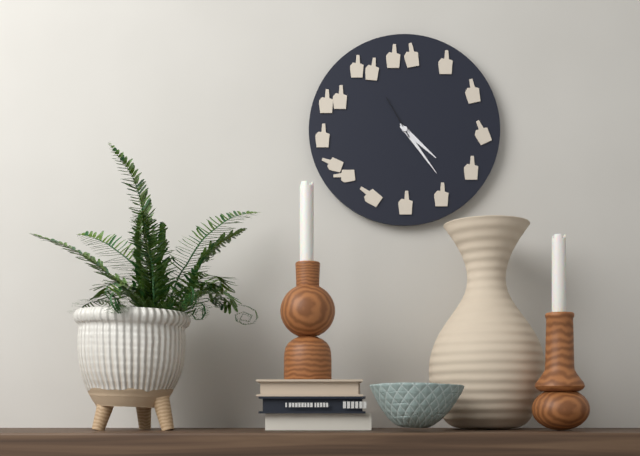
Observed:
{"hour": 4, "minute": 24}
